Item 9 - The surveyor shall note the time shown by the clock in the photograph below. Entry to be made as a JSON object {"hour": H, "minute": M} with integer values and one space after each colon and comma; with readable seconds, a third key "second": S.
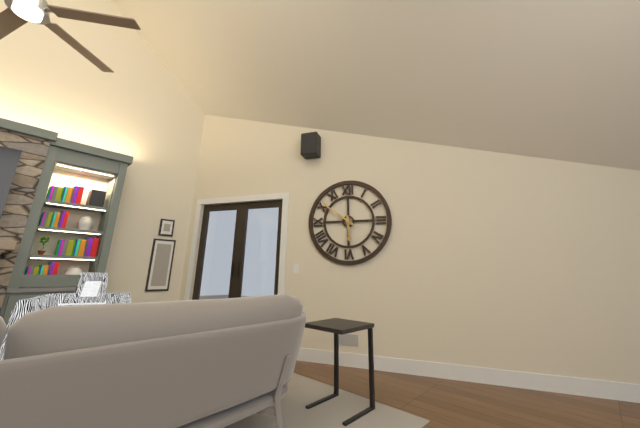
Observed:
{"hour": 5, "minute": 51}
